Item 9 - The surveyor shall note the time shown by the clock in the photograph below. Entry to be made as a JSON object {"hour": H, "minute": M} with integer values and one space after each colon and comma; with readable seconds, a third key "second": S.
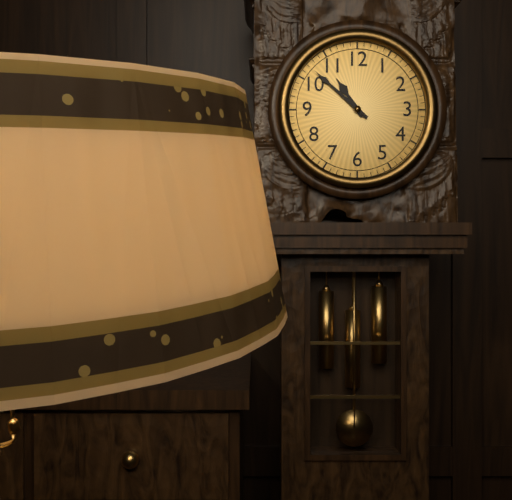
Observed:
{"hour": 10, "minute": 52}
